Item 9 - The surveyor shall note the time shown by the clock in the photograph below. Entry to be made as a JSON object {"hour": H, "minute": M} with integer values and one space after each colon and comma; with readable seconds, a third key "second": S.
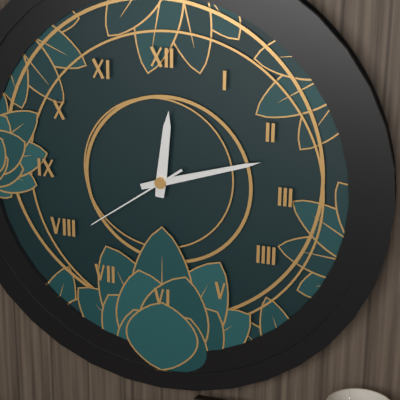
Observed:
{"hour": 12, "minute": 12, "second": 39}
